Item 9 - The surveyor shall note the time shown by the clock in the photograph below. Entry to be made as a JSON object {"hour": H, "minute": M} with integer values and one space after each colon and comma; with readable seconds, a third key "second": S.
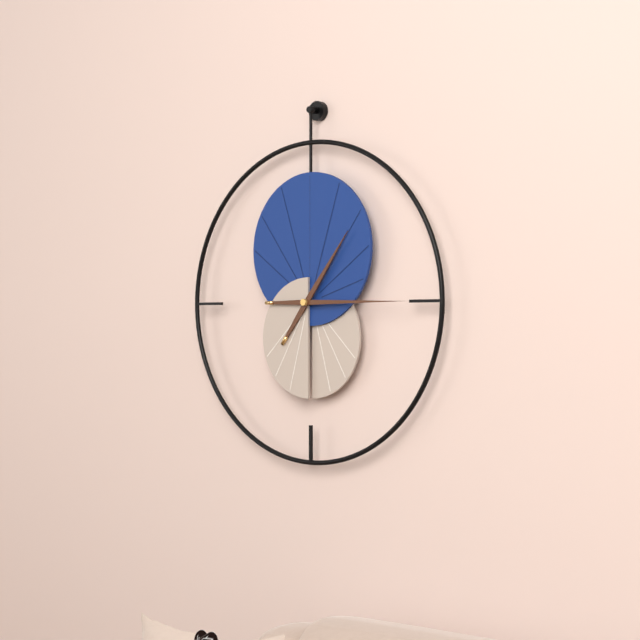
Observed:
{"hour": 1, "minute": 15}
